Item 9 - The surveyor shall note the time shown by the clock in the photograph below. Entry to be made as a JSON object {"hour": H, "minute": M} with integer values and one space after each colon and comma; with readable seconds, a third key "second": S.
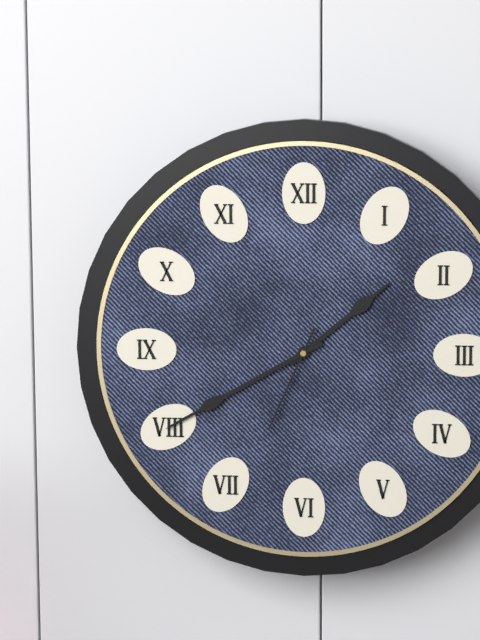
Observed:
{"hour": 1, "minute": 40, "second": 34}
